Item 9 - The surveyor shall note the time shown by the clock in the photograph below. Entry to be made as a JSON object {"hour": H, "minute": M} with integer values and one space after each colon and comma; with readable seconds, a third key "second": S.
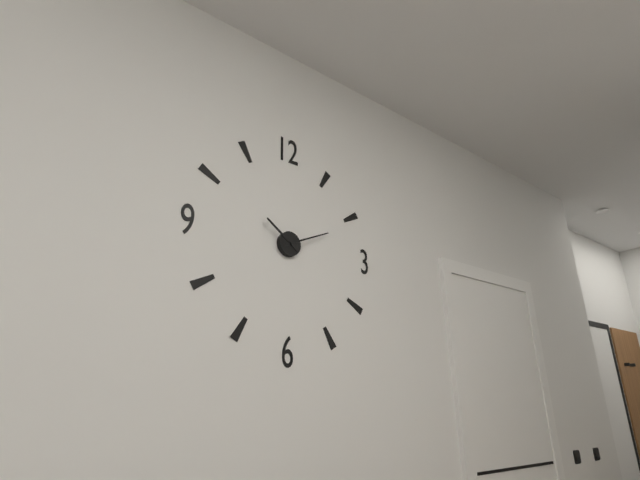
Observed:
{"hour": 10, "minute": 11}
